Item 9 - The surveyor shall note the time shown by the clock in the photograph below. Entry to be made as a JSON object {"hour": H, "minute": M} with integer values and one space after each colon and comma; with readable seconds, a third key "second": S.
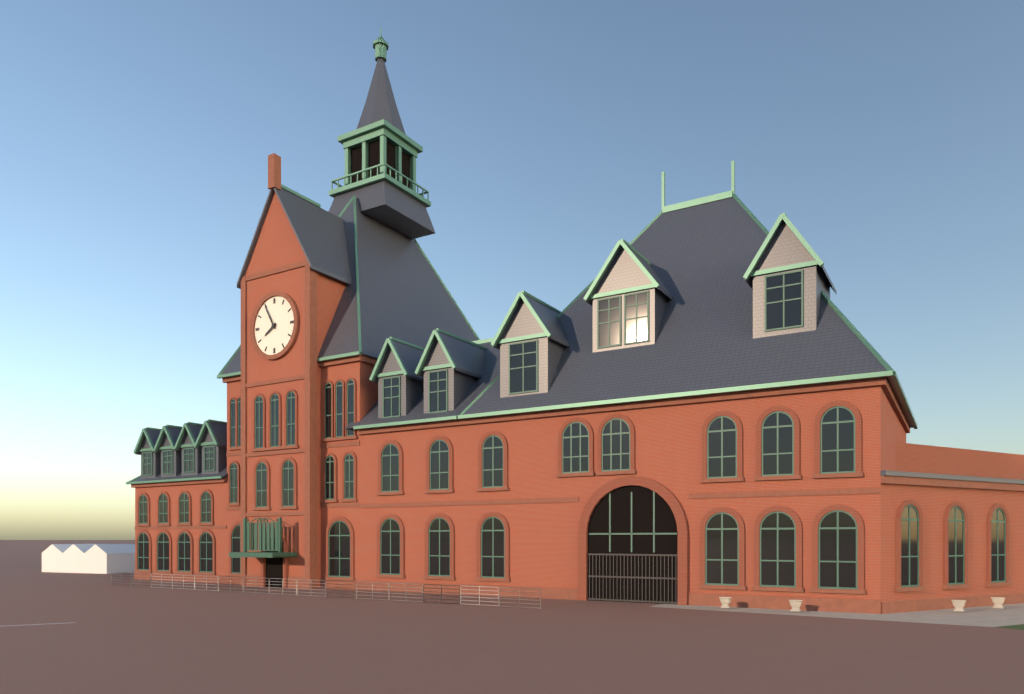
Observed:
{"hour": 7, "minute": 55}
